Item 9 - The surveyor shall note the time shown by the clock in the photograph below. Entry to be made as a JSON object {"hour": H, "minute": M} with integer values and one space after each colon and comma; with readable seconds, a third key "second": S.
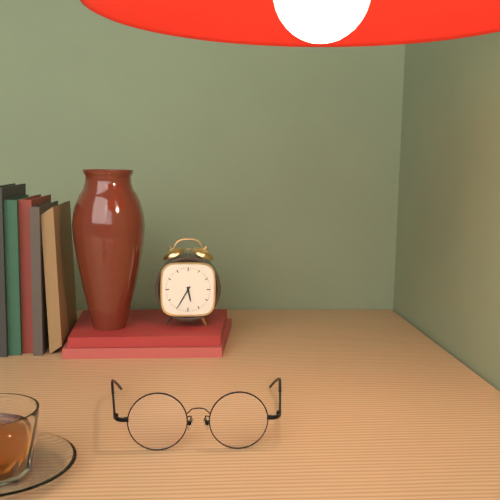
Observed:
{"hour": 5, "minute": 35}
